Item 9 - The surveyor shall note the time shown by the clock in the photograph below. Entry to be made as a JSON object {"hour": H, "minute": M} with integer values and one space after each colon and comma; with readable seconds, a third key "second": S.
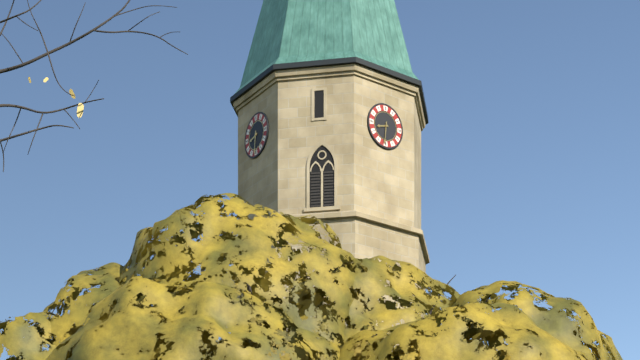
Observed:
{"hour": 8, "minute": 31}
